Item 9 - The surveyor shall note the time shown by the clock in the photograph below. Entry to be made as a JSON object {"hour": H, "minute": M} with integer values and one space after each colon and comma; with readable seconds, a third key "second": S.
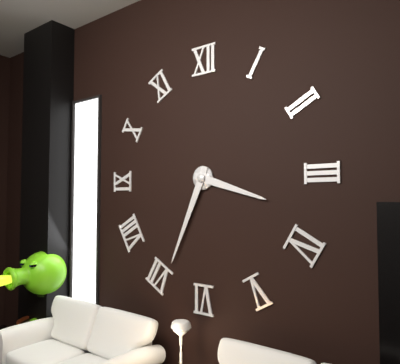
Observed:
{"hour": 3, "minute": 34}
